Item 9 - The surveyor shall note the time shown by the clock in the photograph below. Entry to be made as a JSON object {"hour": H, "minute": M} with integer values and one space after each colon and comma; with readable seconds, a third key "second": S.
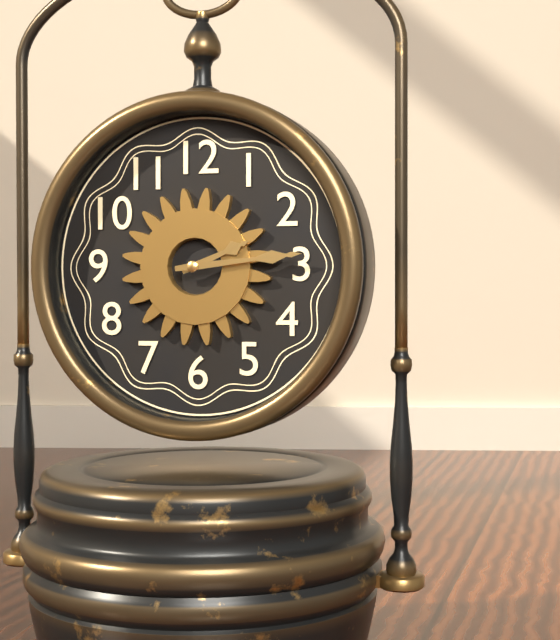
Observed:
{"hour": 2, "minute": 14}
